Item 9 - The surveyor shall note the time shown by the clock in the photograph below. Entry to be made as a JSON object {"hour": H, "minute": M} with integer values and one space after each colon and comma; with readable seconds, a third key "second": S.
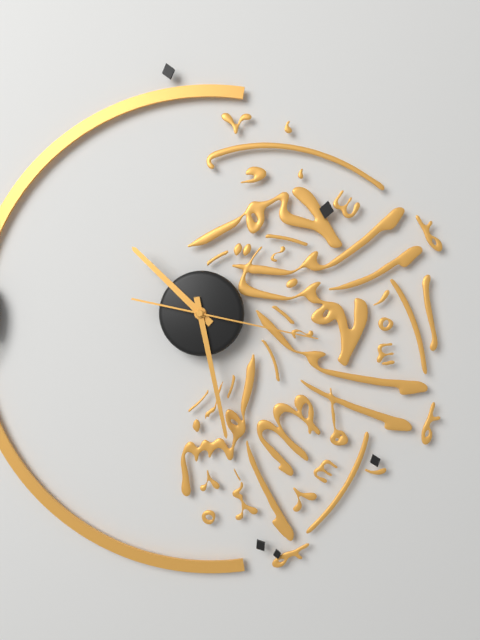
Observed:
{"hour": 10, "minute": 28, "second": 17}
